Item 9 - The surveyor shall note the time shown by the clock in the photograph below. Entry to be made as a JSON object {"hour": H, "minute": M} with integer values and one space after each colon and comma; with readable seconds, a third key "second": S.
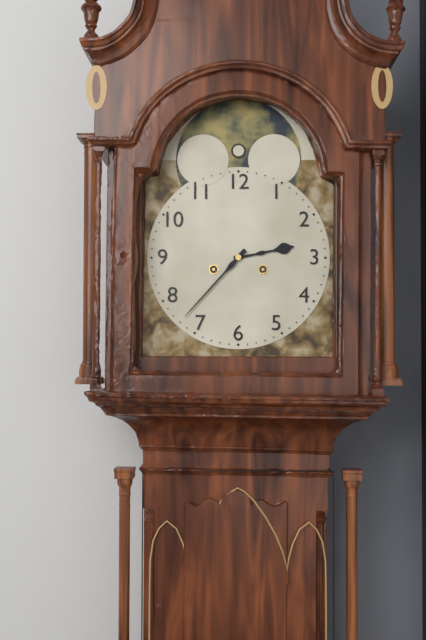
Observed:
{"hour": 2, "minute": 37}
